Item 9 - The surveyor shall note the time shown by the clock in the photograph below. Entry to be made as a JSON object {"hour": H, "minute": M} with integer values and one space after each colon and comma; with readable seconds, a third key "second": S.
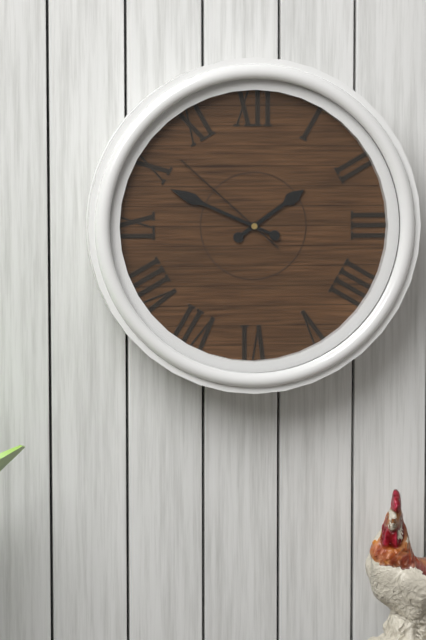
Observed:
{"hour": 1, "minute": 49, "second": 52}
